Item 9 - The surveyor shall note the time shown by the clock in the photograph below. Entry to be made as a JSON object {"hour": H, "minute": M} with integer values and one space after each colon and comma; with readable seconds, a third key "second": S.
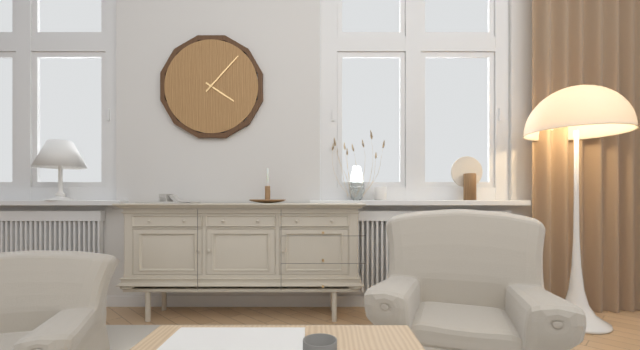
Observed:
{"hour": 4, "minute": 7}
